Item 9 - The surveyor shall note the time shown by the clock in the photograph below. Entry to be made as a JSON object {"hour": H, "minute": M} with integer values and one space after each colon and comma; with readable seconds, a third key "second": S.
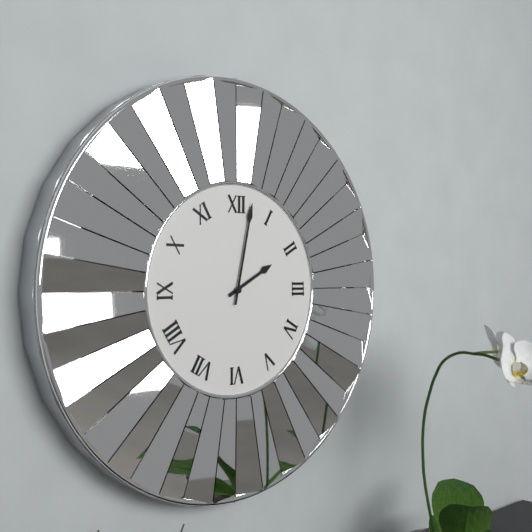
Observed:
{"hour": 2, "minute": 2}
